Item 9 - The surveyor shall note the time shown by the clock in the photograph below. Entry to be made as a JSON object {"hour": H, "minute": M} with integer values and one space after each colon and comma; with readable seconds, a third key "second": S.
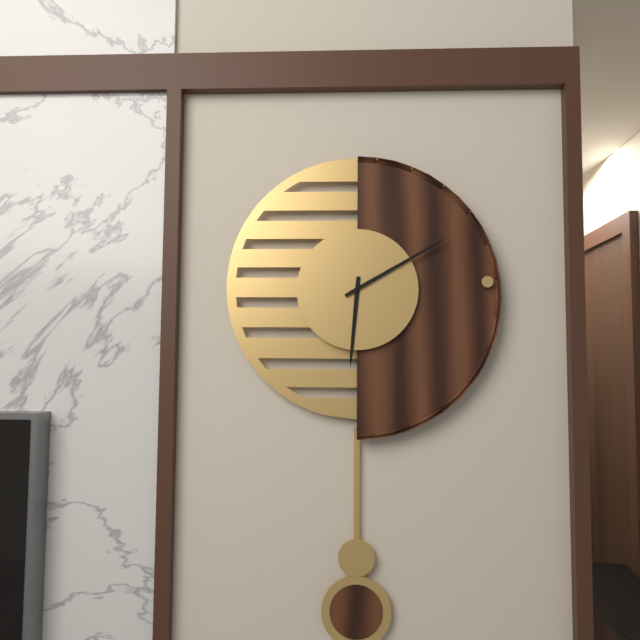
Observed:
{"hour": 6, "minute": 10}
